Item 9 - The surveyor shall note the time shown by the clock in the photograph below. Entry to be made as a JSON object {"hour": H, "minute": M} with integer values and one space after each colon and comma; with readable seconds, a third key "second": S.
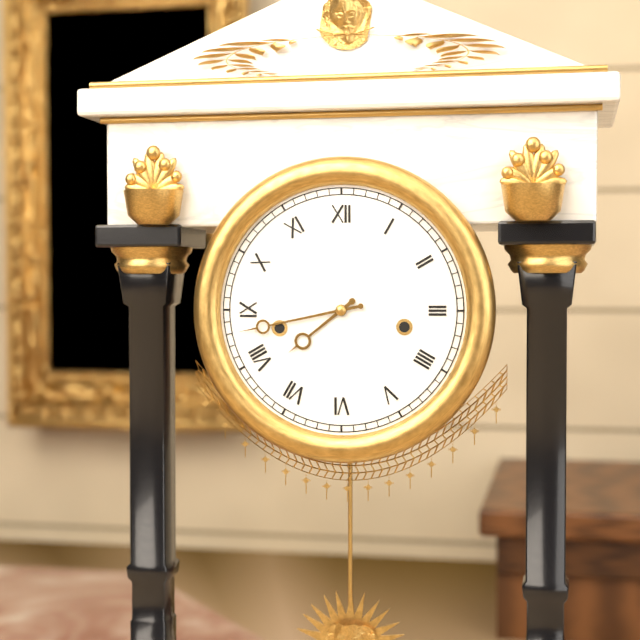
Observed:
{"hour": 7, "minute": 43}
